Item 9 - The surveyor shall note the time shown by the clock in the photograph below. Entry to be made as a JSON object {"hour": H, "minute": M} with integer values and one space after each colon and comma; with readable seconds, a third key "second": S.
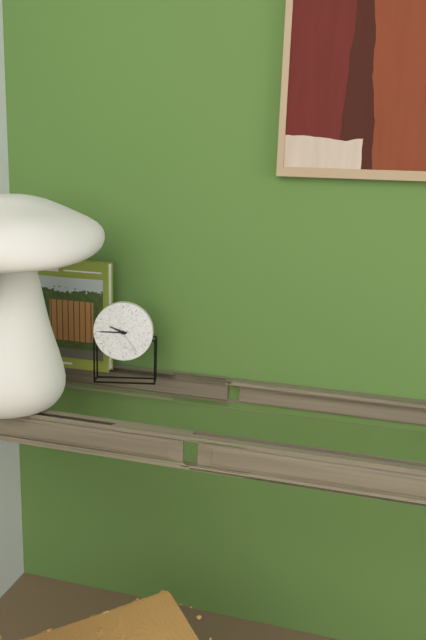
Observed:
{"hour": 9, "minute": 45}
